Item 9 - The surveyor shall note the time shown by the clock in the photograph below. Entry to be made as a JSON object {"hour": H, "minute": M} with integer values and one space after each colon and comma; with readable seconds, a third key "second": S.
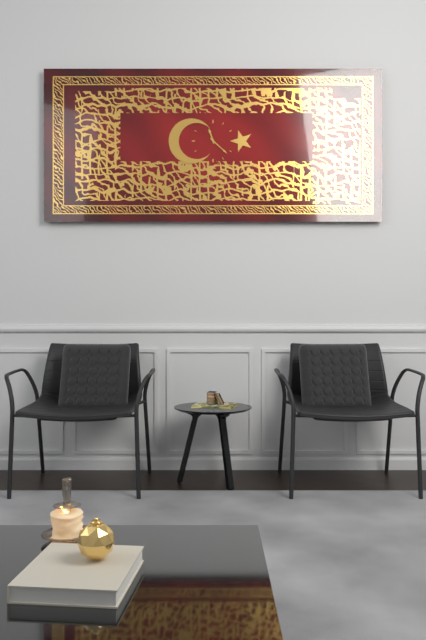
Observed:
{"hour": 11, "minute": 22}
